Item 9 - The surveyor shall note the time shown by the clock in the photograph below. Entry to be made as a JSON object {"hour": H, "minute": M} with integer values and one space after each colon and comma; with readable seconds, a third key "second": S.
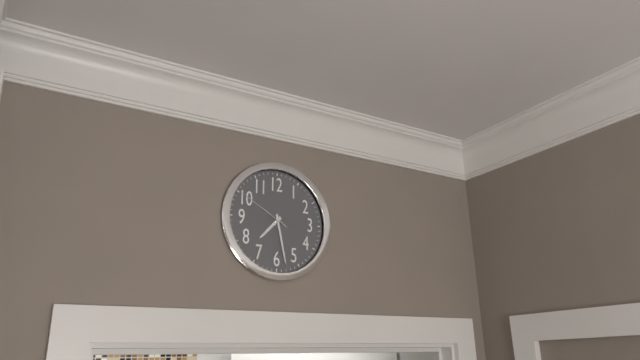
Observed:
{"hour": 7, "minute": 28, "second": 50}
